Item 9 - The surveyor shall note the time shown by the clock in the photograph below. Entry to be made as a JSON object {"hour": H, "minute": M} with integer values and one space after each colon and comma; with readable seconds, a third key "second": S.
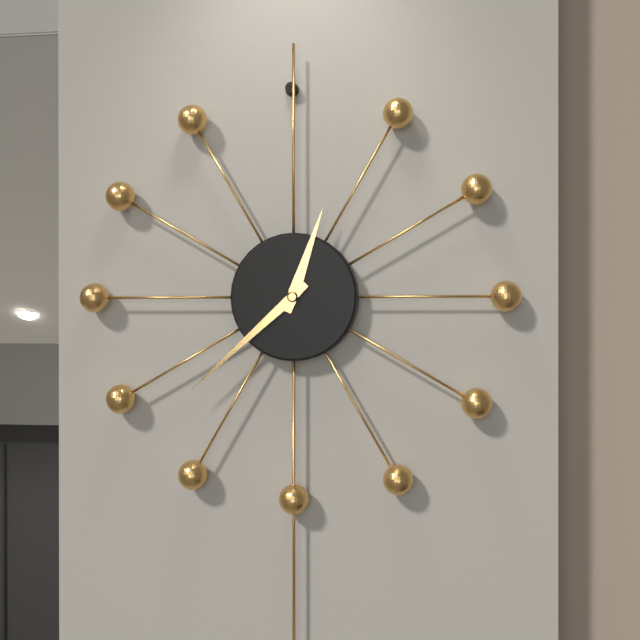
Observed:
{"hour": 12, "minute": 38}
